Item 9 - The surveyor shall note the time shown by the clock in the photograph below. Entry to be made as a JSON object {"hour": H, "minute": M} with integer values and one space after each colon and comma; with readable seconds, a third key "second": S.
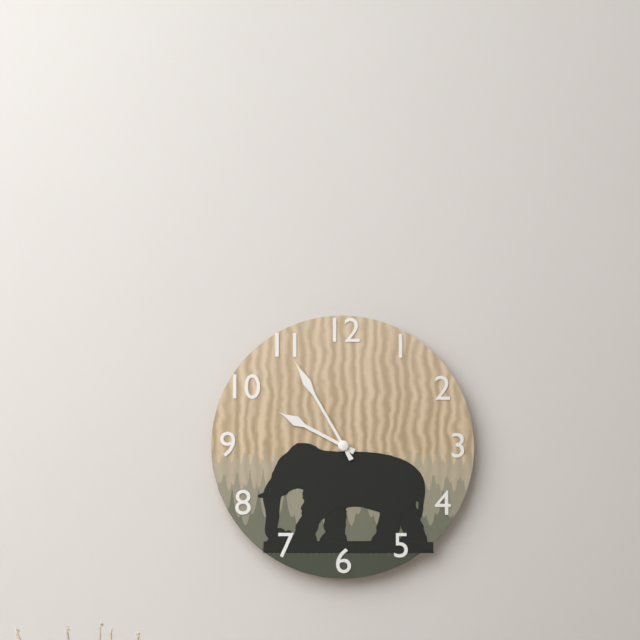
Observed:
{"hour": 9, "minute": 55}
